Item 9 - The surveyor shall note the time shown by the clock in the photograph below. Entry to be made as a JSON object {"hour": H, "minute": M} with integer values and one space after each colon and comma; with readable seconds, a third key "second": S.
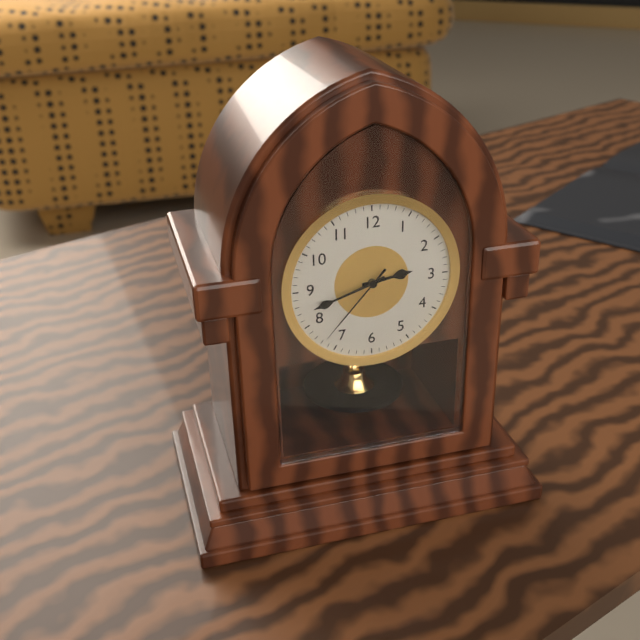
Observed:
{"hour": 2, "minute": 42, "second": 37}
